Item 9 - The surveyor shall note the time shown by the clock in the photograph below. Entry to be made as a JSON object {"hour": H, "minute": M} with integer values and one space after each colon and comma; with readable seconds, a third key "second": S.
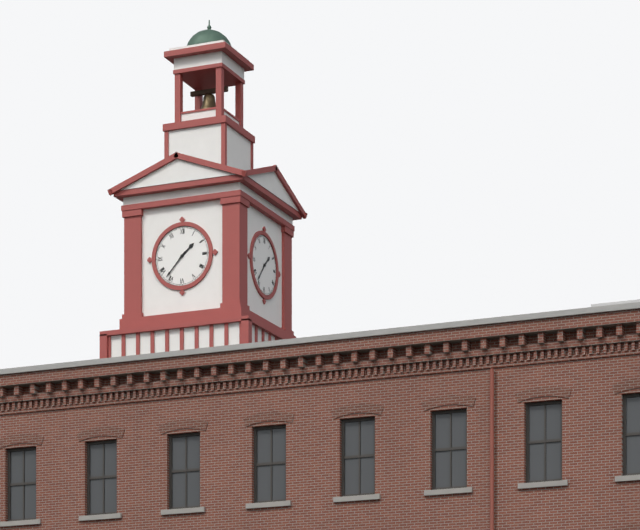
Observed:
{"hour": 1, "minute": 37}
